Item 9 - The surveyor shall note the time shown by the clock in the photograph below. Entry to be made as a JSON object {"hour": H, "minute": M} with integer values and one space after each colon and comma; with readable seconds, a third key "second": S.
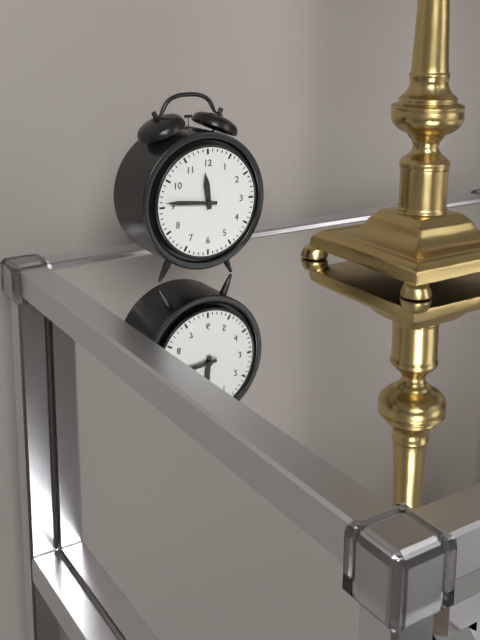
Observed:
{"hour": 11, "minute": 46}
